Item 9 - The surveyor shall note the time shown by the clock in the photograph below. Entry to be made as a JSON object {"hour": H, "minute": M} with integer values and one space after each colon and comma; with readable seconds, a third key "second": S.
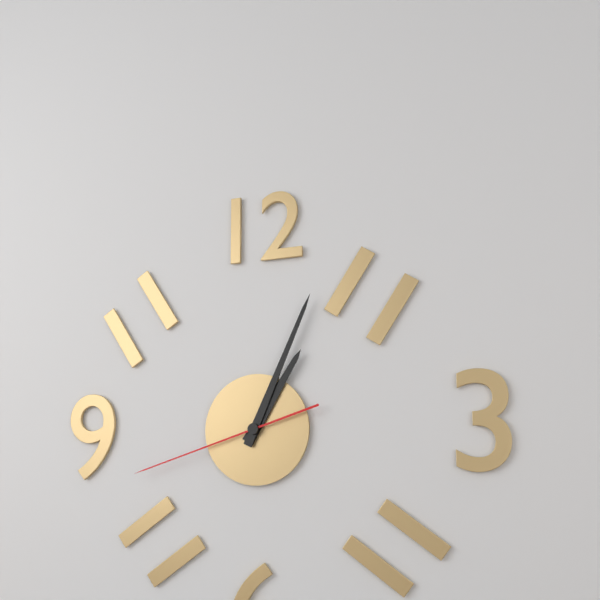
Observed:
{"hour": 1, "minute": 4, "second": 42}
